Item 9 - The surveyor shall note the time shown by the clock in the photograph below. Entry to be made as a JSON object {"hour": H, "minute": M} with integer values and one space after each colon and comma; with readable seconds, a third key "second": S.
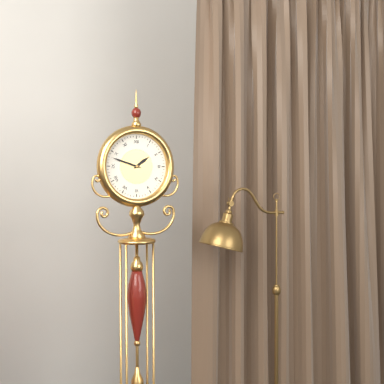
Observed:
{"hour": 1, "minute": 48}
